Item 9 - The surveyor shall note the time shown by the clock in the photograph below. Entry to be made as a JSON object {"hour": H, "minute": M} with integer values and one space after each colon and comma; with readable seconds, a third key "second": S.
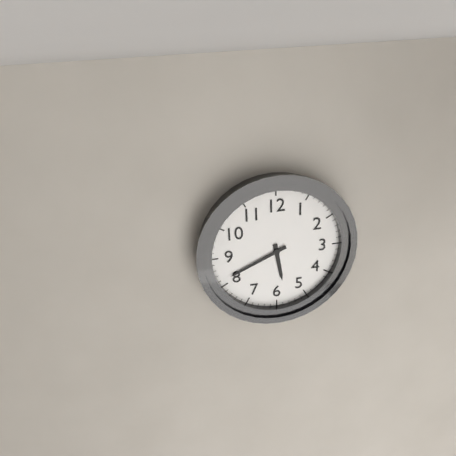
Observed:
{"hour": 5, "minute": 41}
